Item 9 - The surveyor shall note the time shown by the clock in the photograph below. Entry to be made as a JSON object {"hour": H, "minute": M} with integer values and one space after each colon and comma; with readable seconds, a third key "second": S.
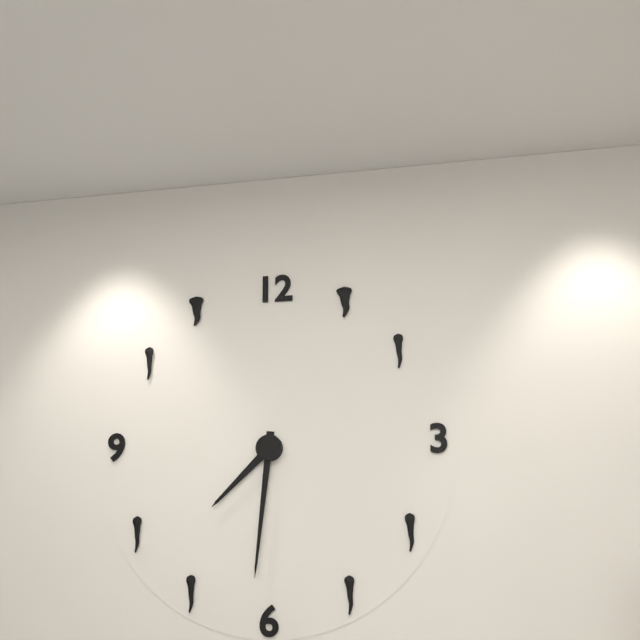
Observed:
{"hour": 7, "minute": 31}
